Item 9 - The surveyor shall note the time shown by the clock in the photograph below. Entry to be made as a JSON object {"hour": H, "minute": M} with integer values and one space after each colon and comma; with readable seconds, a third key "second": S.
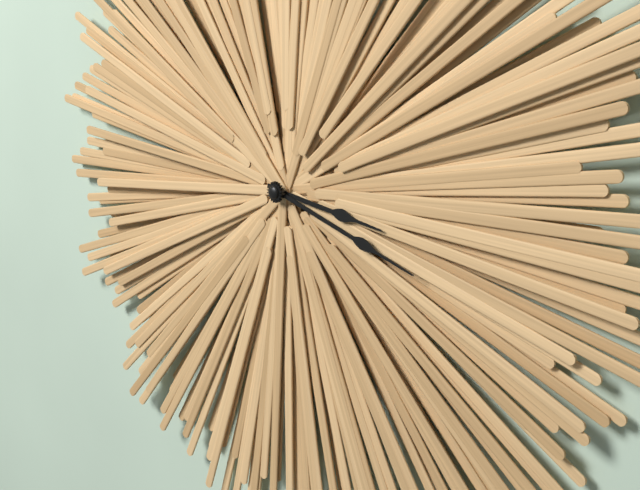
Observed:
{"hour": 3, "minute": 18}
